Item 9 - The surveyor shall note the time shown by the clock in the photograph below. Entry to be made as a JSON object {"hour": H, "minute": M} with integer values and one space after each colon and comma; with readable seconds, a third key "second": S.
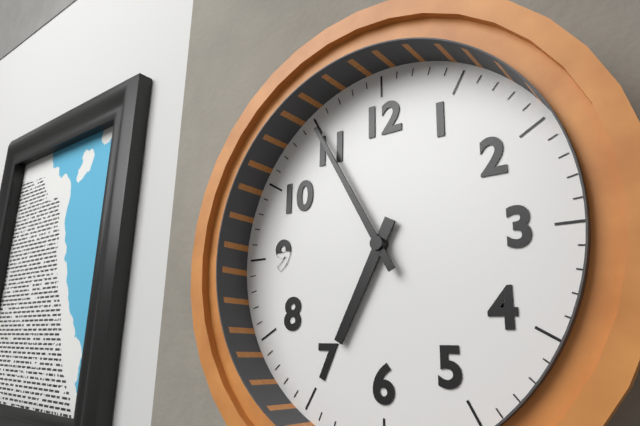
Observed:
{"hour": 6, "minute": 55}
